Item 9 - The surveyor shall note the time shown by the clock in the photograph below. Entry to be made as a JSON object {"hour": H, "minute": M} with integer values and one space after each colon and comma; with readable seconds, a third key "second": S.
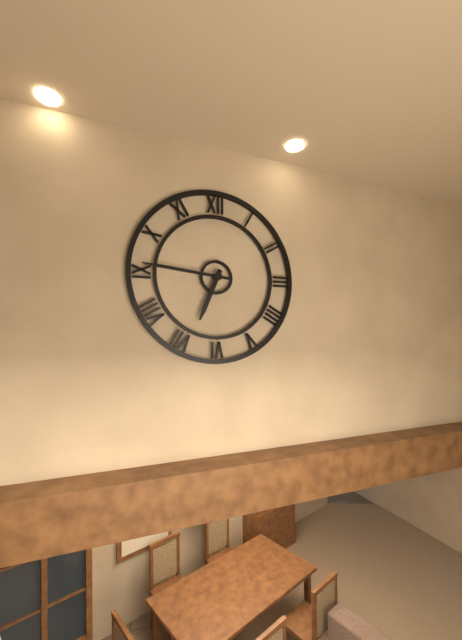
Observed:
{"hour": 6, "minute": 46}
